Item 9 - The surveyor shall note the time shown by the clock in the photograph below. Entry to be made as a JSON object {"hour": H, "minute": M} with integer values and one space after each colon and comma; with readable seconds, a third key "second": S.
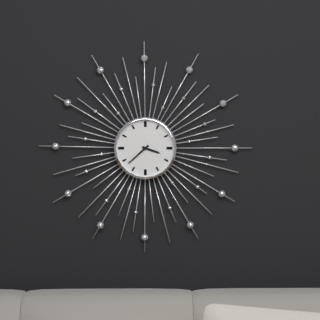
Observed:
{"hour": 3, "minute": 38}
